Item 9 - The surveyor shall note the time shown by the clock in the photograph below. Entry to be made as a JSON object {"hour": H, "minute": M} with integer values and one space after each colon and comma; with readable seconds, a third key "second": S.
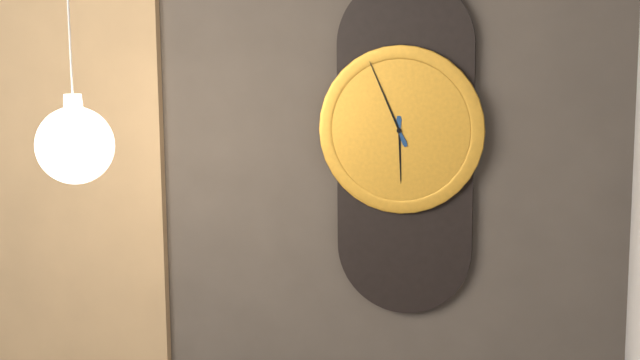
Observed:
{"hour": 5, "minute": 56}
